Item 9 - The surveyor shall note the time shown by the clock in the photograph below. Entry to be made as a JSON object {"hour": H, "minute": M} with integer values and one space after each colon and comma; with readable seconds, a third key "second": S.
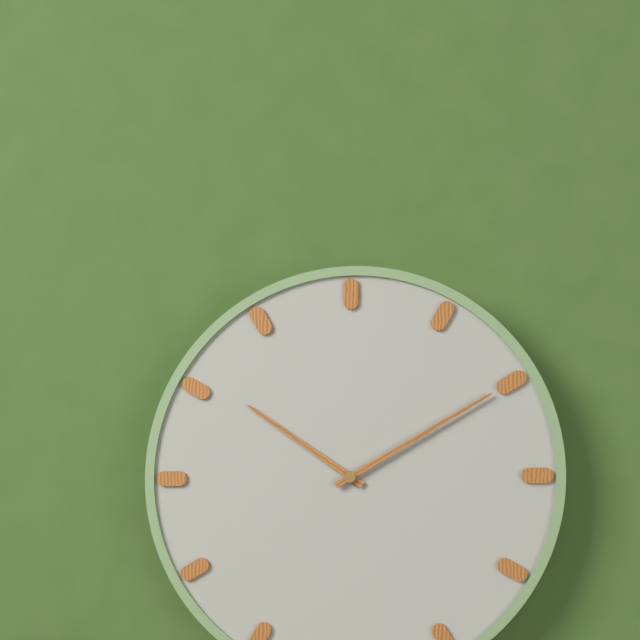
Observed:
{"hour": 10, "minute": 10}
